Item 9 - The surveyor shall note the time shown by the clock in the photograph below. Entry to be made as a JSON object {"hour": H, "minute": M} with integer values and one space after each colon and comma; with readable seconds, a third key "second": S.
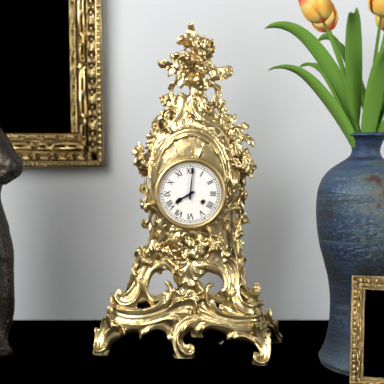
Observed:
{"hour": 8, "minute": 1}
